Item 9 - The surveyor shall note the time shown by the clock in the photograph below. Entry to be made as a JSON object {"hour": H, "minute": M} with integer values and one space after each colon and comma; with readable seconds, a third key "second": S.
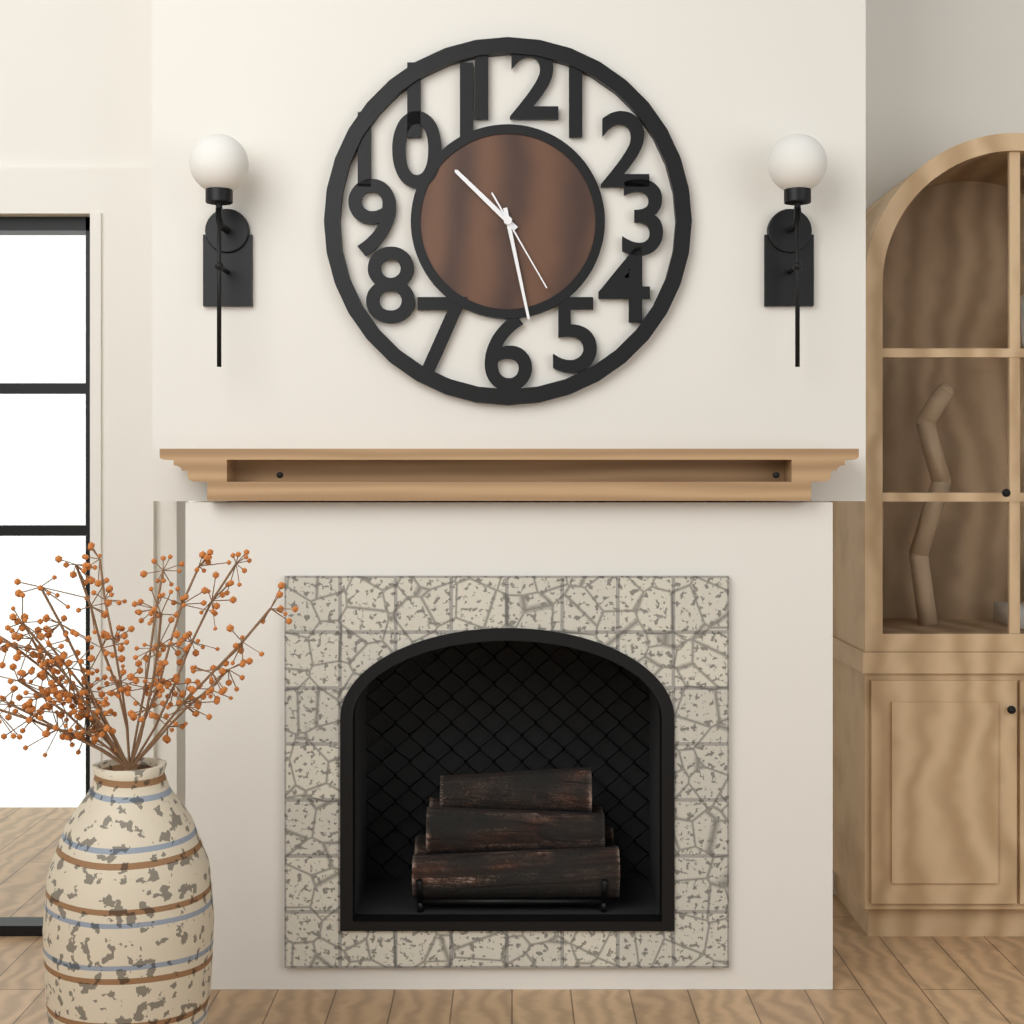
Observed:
{"hour": 10, "minute": 28, "second": 25}
